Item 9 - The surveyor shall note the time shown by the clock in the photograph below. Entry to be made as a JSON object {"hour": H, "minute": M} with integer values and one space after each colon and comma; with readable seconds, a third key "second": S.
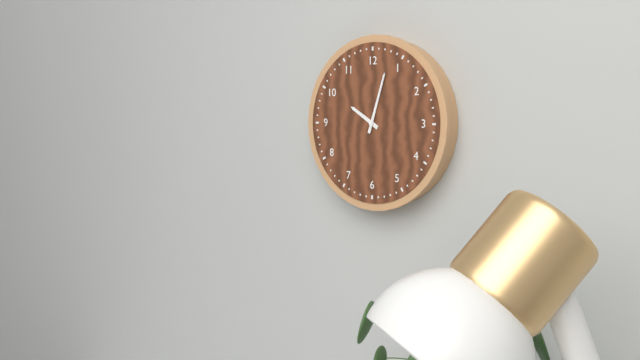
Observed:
{"hour": 10, "minute": 3}
